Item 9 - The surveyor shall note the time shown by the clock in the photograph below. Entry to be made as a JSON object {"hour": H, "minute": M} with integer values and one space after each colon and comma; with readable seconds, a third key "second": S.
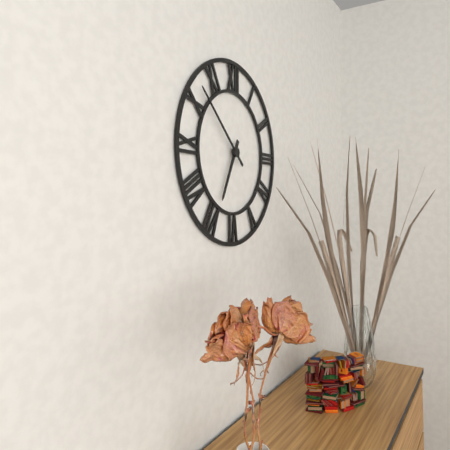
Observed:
{"hour": 6, "minute": 52}
